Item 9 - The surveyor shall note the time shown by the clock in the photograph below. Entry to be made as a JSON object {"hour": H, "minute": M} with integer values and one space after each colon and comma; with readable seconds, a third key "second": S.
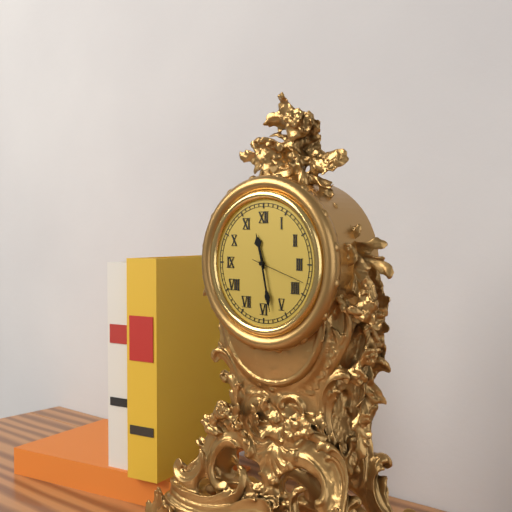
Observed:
{"hour": 11, "minute": 28, "second": 18}
